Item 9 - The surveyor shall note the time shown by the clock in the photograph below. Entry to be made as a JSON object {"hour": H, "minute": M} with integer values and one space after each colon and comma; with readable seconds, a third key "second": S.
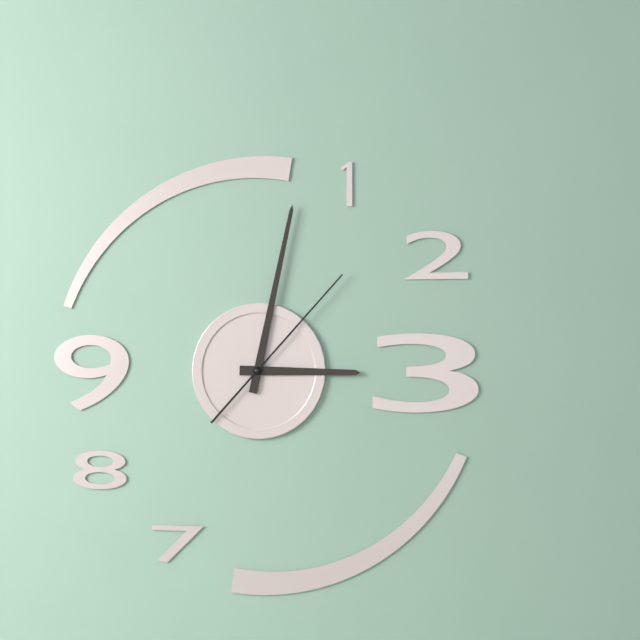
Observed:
{"hour": 3, "minute": 2, "second": 7}
